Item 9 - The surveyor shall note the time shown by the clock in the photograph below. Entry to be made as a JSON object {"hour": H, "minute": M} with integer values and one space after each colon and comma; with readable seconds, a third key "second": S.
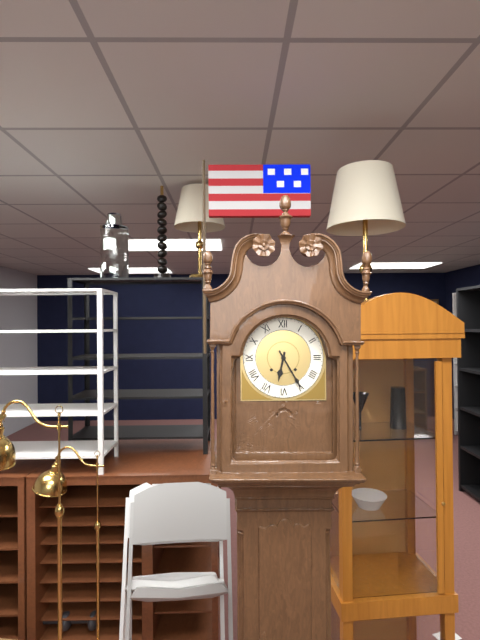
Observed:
{"hour": 6, "minute": 25}
